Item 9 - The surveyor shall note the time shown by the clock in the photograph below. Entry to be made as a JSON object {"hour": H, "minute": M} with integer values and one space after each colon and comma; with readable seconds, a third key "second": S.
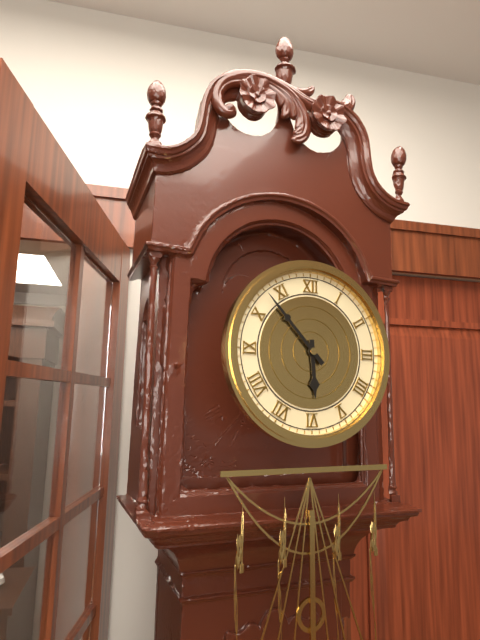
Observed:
{"hour": 5, "minute": 53}
